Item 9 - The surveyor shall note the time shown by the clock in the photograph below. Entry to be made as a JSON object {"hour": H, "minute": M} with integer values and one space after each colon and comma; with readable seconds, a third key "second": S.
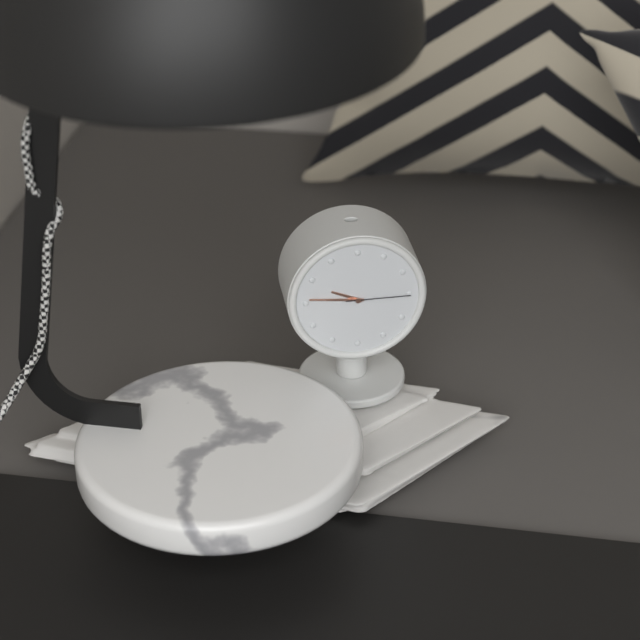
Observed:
{"hour": 9, "minute": 46, "second": 15}
